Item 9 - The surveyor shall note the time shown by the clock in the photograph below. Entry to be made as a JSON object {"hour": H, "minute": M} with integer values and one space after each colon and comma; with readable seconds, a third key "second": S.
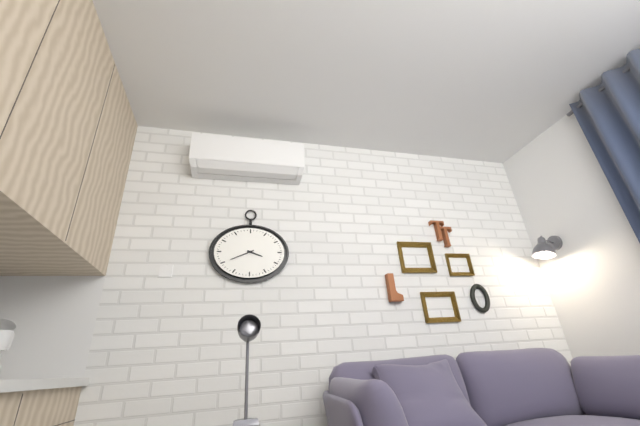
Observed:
{"hour": 3, "minute": 41}
